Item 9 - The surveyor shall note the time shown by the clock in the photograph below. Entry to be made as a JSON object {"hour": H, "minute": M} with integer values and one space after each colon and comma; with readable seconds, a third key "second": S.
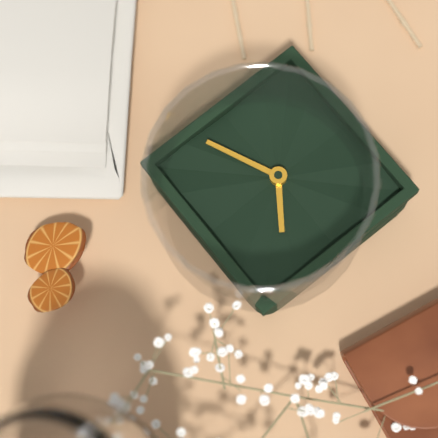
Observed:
{"hour": 10, "minute": 11}
